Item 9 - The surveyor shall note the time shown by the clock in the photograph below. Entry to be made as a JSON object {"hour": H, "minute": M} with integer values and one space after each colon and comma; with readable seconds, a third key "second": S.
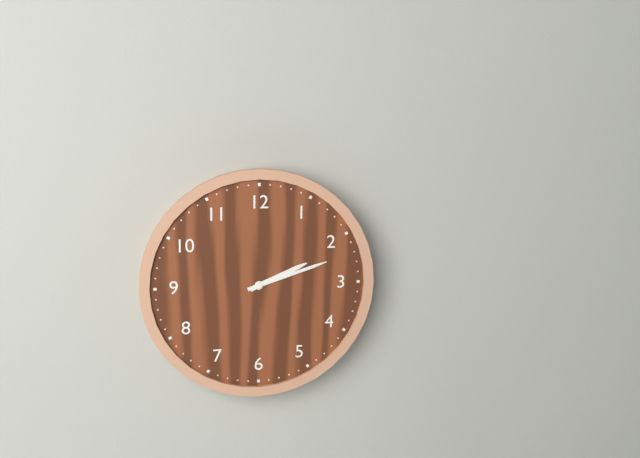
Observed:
{"hour": 2, "minute": 12}
